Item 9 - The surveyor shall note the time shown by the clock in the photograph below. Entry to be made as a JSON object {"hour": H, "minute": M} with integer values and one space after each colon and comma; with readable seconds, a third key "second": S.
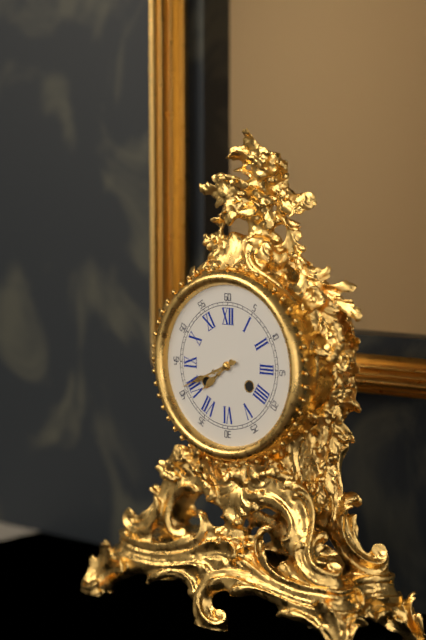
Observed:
{"hour": 7, "minute": 41}
